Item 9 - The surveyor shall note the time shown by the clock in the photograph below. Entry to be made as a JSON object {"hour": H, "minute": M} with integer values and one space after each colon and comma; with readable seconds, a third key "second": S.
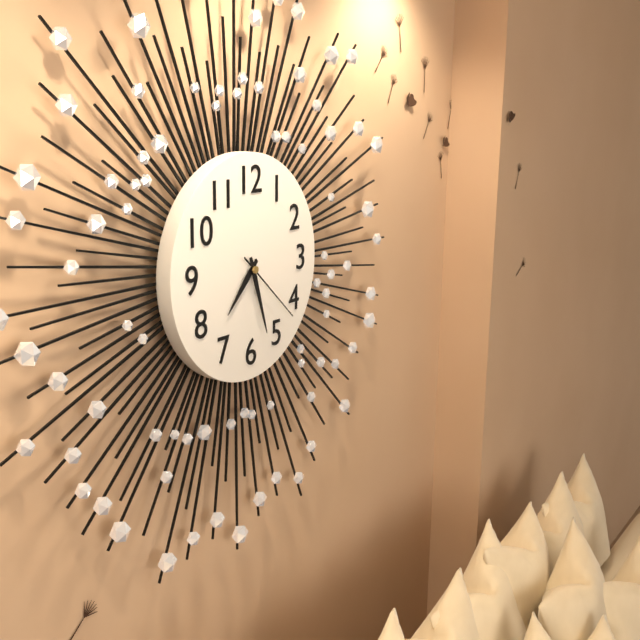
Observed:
{"hour": 7, "minute": 27, "second": 22}
